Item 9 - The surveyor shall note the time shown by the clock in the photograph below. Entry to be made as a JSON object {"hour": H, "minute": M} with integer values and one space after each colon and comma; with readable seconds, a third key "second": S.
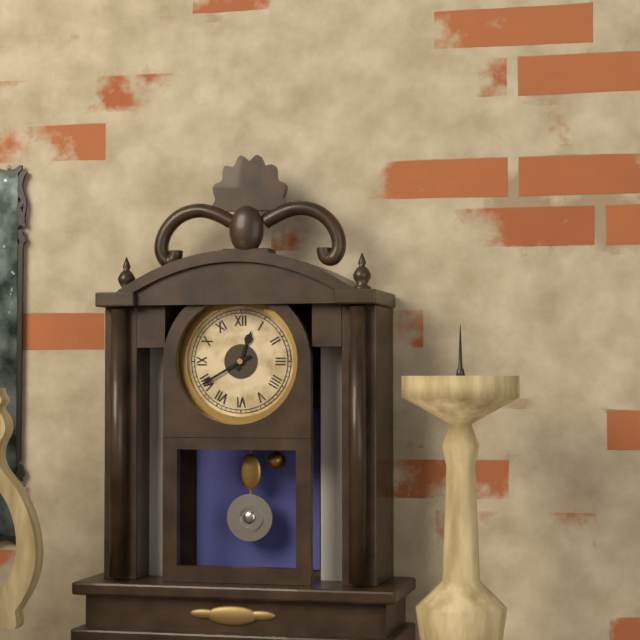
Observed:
{"hour": 12, "minute": 40}
